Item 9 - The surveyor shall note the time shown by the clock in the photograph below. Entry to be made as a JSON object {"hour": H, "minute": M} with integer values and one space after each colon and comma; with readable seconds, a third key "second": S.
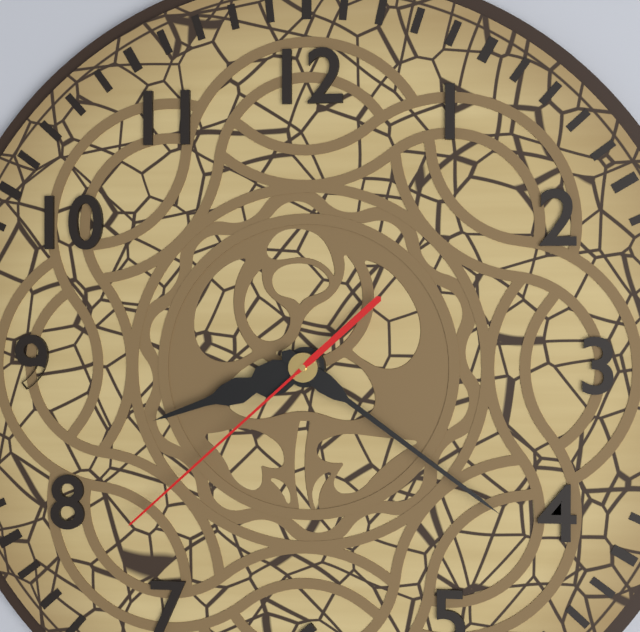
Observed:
{"hour": 8, "minute": 21, "second": 38}
